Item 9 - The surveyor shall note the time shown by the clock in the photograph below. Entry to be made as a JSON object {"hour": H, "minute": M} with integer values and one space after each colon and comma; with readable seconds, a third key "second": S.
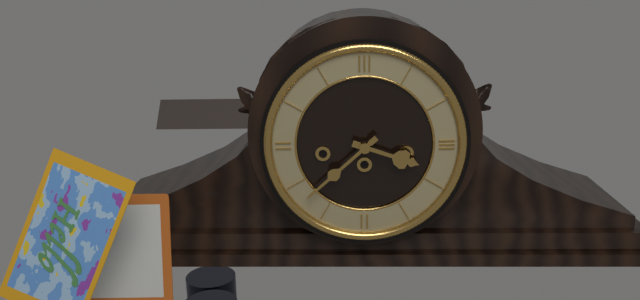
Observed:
{"hour": 3, "minute": 38}
